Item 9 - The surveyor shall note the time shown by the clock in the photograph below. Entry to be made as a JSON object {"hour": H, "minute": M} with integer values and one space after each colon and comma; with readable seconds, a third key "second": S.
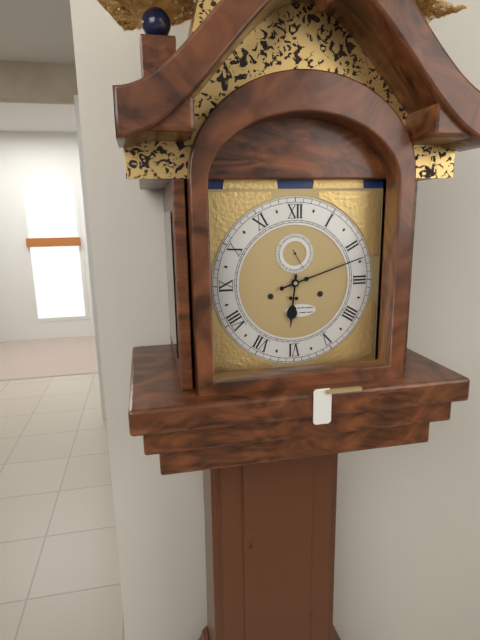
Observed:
{"hour": 6, "minute": 12}
